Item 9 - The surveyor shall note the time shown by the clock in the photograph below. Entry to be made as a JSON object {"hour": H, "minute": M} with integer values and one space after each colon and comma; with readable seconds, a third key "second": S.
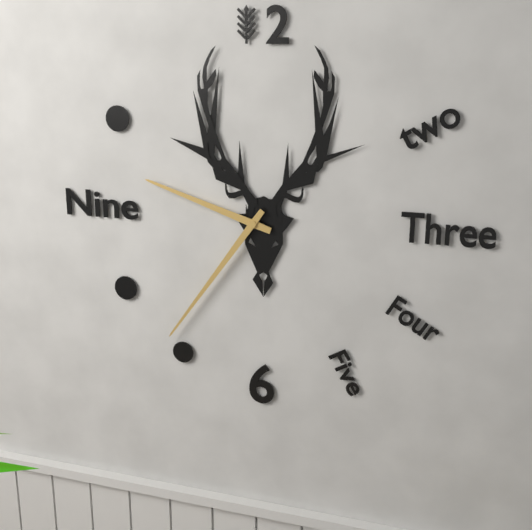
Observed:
{"hour": 9, "minute": 36}
